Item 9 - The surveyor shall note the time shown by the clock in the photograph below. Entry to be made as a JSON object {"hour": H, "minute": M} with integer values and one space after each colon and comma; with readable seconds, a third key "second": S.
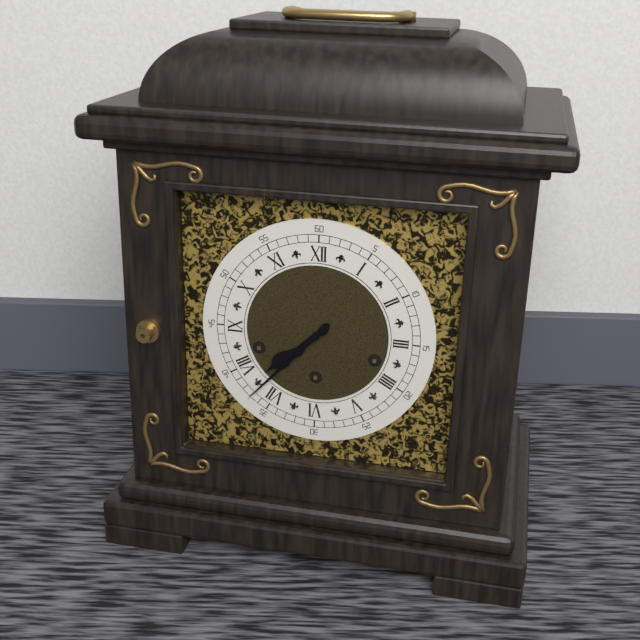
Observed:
{"hour": 7, "minute": 37}
